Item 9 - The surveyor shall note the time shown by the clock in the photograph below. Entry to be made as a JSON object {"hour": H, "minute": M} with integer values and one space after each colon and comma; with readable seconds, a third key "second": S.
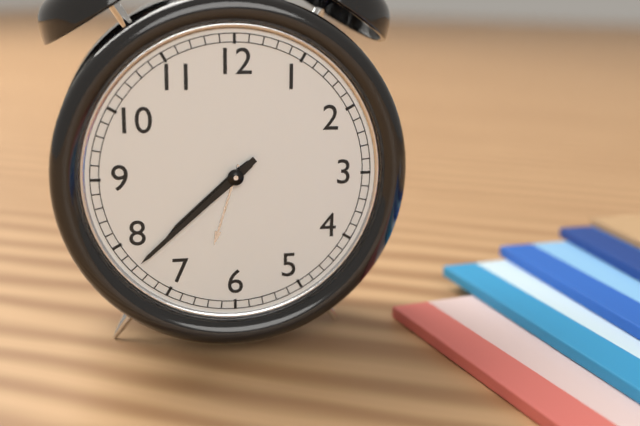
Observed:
{"hour": 7, "minute": 38}
